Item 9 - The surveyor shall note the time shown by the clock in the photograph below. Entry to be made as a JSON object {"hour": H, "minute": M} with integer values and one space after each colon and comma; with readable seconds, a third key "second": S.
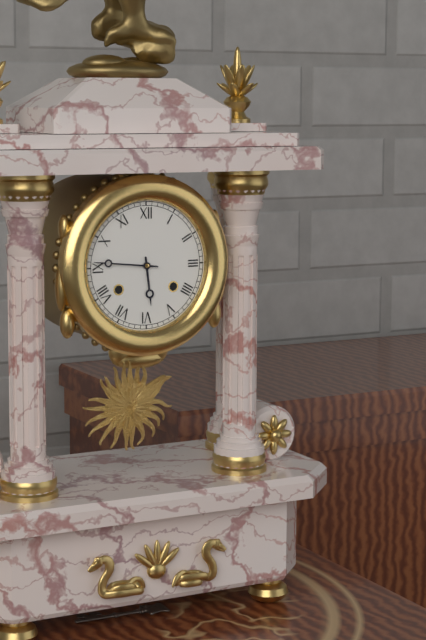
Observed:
{"hour": 5, "minute": 46}
